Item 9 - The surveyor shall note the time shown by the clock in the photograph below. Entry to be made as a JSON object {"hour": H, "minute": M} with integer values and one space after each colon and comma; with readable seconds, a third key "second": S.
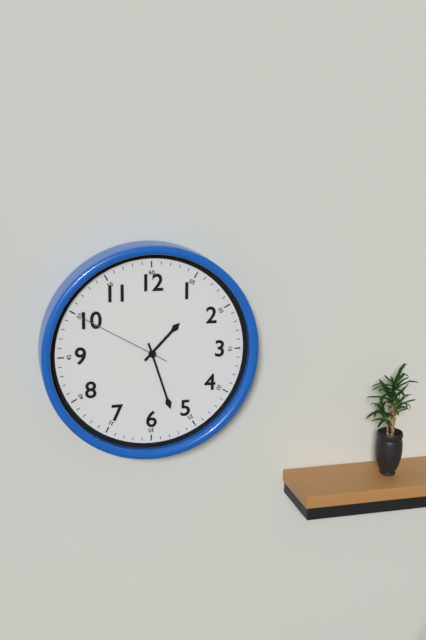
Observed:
{"hour": 1, "minute": 27, "second": 50}
